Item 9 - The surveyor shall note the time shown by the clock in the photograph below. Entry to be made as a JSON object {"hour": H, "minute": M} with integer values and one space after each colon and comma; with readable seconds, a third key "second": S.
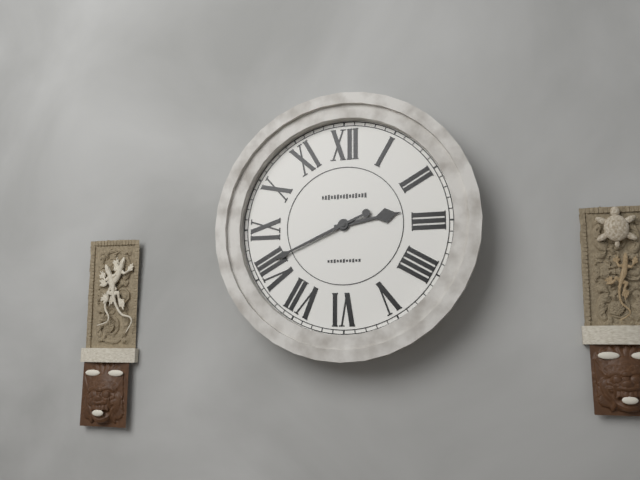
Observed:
{"hour": 2, "minute": 41}
